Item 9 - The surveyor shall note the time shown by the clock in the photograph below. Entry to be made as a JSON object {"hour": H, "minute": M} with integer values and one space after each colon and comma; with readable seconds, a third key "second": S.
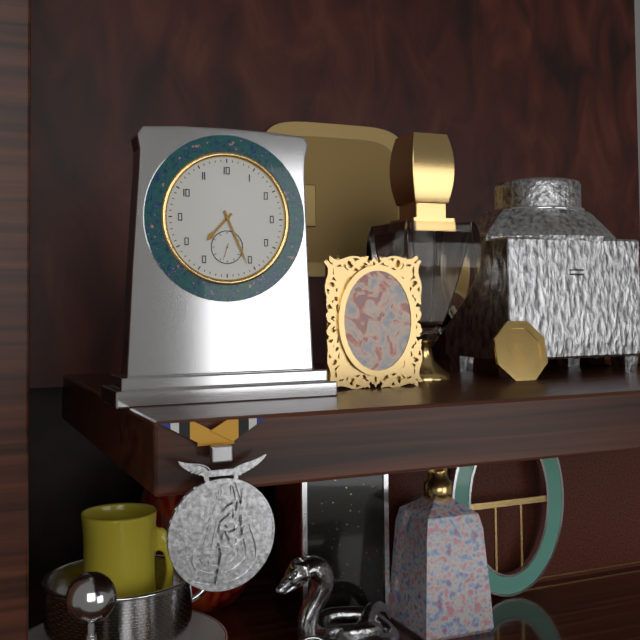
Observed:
{"hour": 7, "minute": 26}
